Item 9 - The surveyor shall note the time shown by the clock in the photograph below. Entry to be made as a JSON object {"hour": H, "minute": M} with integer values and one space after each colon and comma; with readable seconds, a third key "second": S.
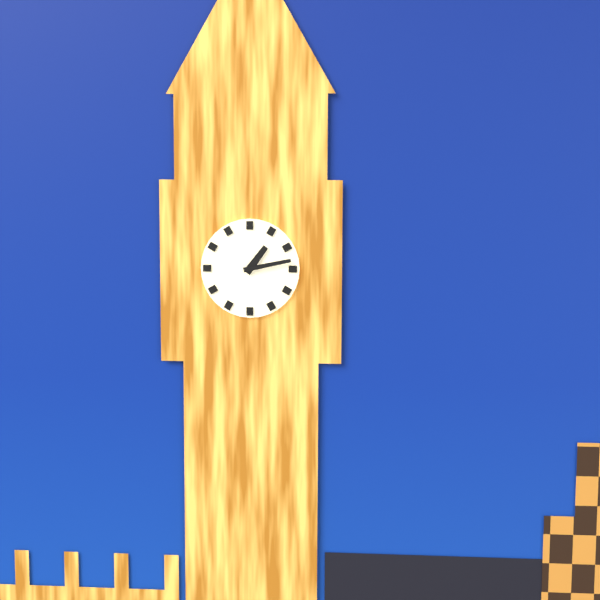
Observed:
{"hour": 1, "minute": 13}
